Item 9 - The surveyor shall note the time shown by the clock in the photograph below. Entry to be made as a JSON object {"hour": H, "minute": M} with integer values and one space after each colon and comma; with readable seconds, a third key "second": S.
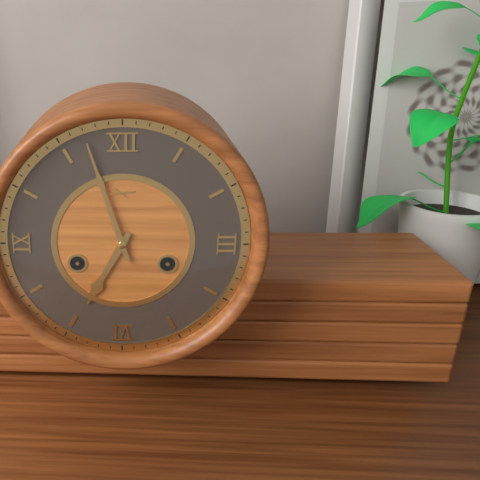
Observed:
{"hour": 6, "minute": 57}
